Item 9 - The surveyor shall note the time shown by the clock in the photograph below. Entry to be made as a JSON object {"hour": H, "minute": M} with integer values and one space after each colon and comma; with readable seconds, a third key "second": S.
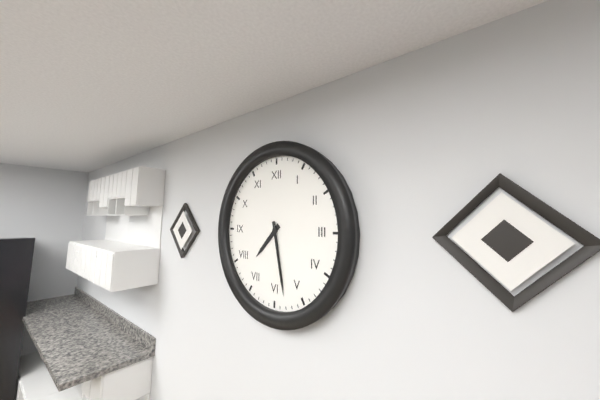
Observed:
{"hour": 7, "minute": 28}
